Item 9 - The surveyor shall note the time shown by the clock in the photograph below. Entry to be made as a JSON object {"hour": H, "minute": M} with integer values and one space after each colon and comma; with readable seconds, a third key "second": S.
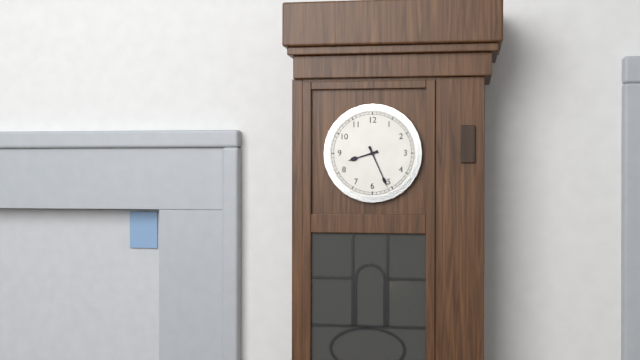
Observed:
{"hour": 8, "minute": 26}
